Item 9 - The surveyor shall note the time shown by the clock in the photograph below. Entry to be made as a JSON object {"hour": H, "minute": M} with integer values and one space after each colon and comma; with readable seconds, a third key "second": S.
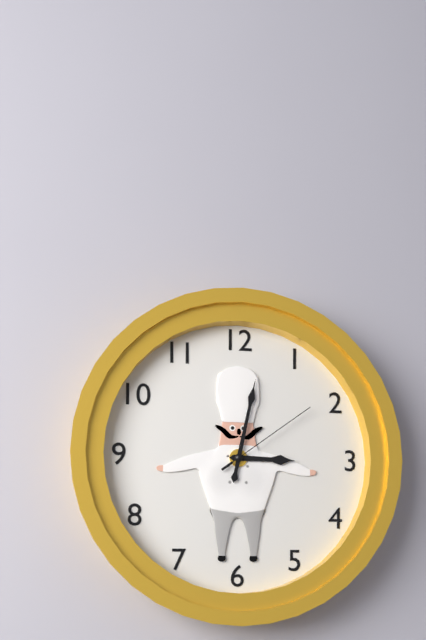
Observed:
{"hour": 3, "minute": 2, "second": 9}
